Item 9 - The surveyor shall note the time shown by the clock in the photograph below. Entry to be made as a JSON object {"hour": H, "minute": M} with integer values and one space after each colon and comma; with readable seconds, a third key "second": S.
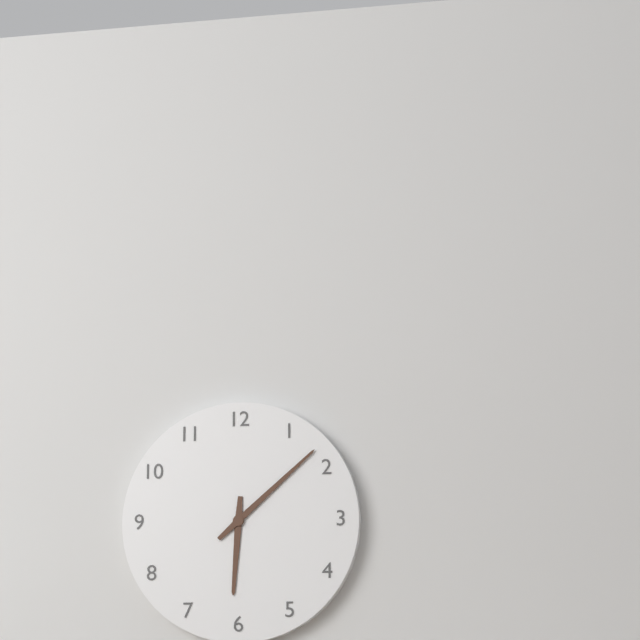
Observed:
{"hour": 6, "minute": 8}
